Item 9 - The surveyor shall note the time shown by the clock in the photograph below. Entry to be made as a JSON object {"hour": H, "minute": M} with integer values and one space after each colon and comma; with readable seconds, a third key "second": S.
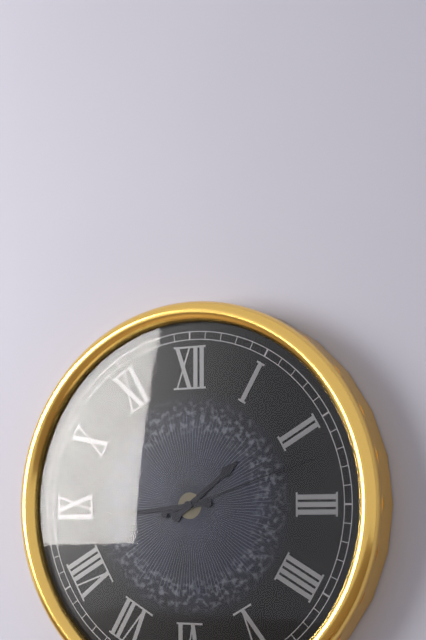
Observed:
{"hour": 1, "minute": 44, "second": 12}
